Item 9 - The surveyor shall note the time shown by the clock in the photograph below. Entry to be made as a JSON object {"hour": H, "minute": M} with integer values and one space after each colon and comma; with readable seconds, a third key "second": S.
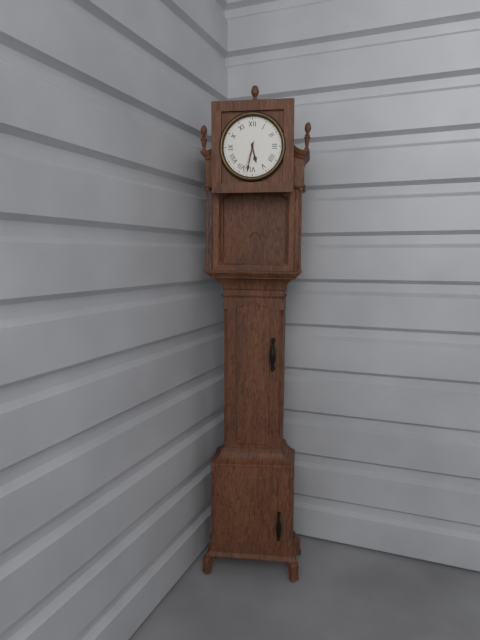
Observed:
{"hour": 5, "minute": 32}
